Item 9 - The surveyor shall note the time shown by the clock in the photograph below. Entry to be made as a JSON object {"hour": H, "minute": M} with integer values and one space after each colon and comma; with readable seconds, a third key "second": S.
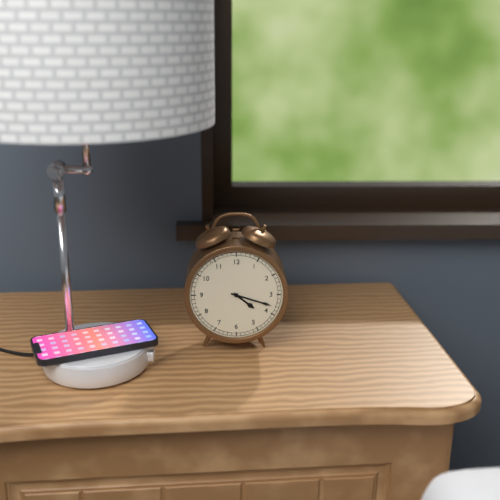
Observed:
{"hour": 4, "minute": 18}
